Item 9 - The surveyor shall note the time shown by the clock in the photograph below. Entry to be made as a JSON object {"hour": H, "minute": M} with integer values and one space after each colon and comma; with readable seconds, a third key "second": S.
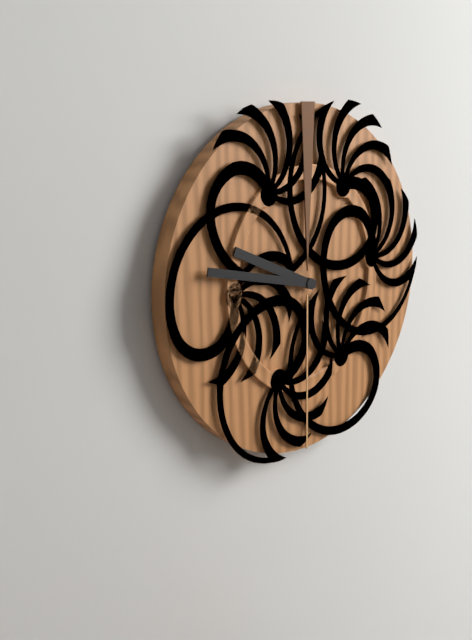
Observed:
{"hour": 9, "minute": 47}
